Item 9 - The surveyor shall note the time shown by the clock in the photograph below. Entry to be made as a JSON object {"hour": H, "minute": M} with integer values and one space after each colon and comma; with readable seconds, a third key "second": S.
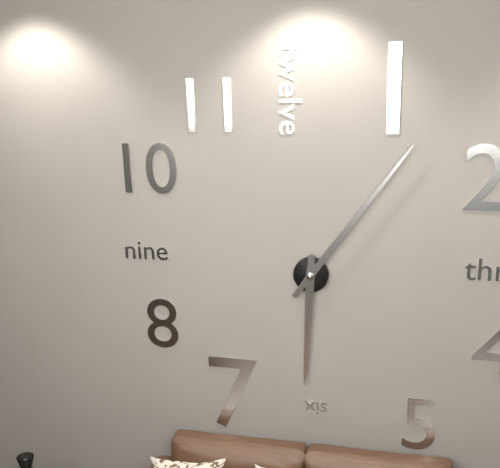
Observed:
{"hour": 6, "minute": 6}
